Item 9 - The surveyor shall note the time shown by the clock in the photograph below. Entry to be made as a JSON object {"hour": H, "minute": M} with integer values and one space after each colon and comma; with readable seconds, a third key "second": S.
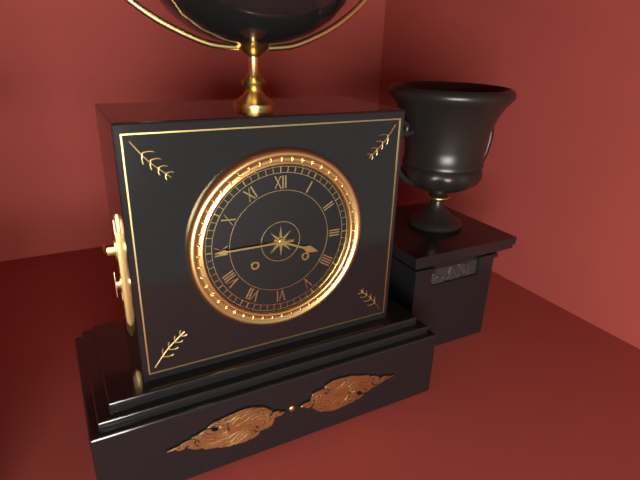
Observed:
{"hour": 3, "minute": 45}
